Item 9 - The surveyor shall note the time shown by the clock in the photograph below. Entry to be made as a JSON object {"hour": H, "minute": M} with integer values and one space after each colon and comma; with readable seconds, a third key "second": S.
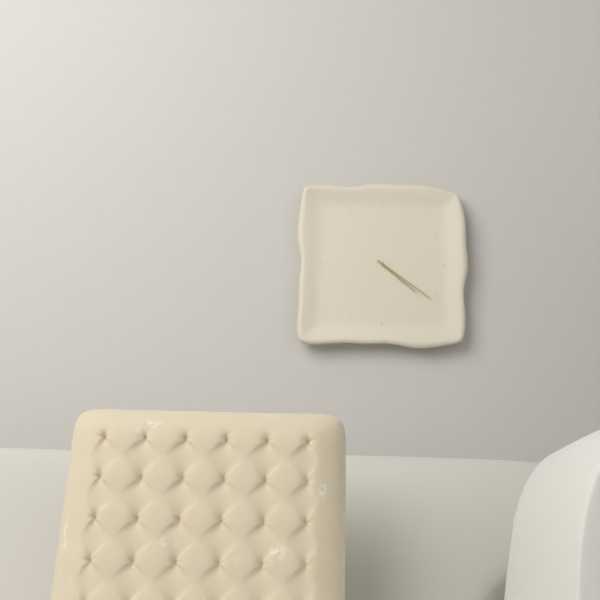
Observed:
{"hour": 4, "minute": 21}
